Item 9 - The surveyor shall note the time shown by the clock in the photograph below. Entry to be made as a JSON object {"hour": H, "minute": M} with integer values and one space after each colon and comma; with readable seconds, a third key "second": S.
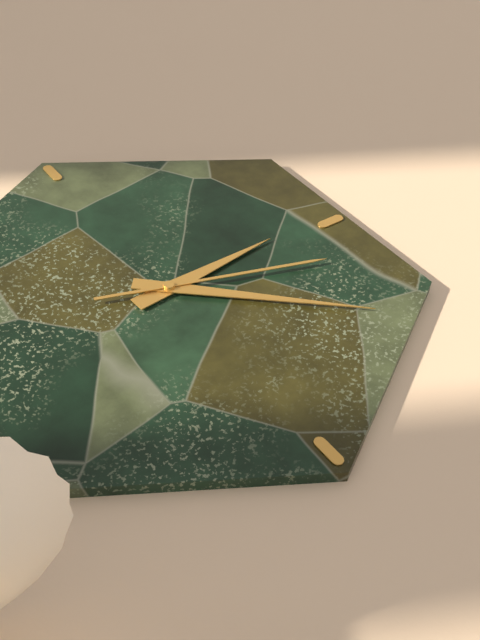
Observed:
{"hour": 8, "minute": 52, "second": 48}
